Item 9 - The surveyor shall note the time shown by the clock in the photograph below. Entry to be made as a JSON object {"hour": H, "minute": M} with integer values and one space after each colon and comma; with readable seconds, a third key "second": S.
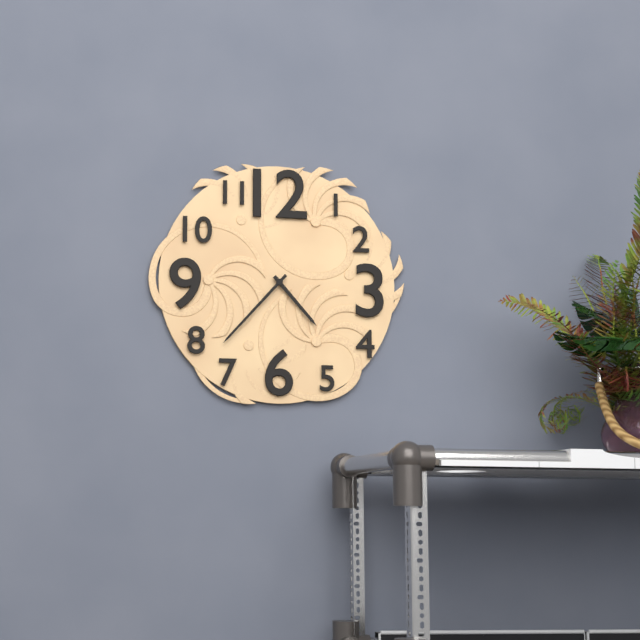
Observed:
{"hour": 4, "minute": 37}
